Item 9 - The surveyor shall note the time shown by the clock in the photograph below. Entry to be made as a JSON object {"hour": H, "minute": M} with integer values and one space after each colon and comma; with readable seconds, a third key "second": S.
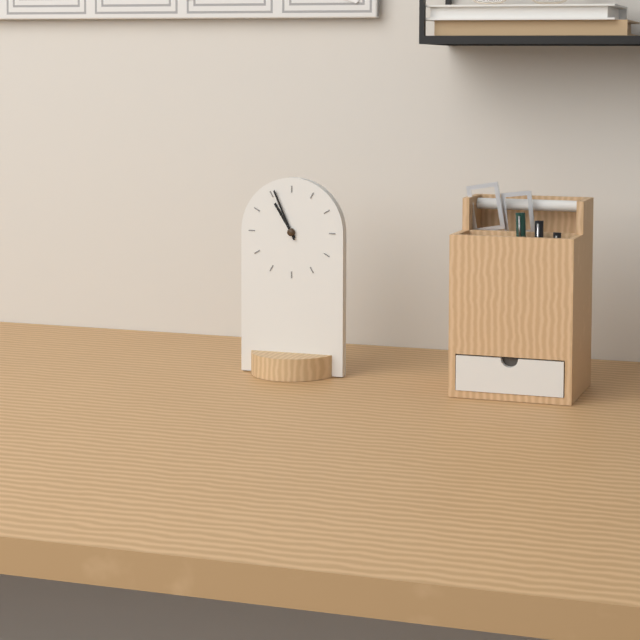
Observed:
{"hour": 10, "minute": 56}
